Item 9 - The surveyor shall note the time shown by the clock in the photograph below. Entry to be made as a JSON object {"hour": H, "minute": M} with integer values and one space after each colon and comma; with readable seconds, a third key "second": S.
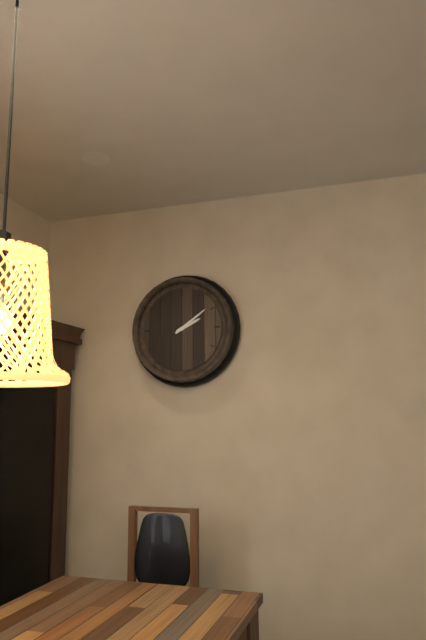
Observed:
{"hour": 2, "minute": 9}
